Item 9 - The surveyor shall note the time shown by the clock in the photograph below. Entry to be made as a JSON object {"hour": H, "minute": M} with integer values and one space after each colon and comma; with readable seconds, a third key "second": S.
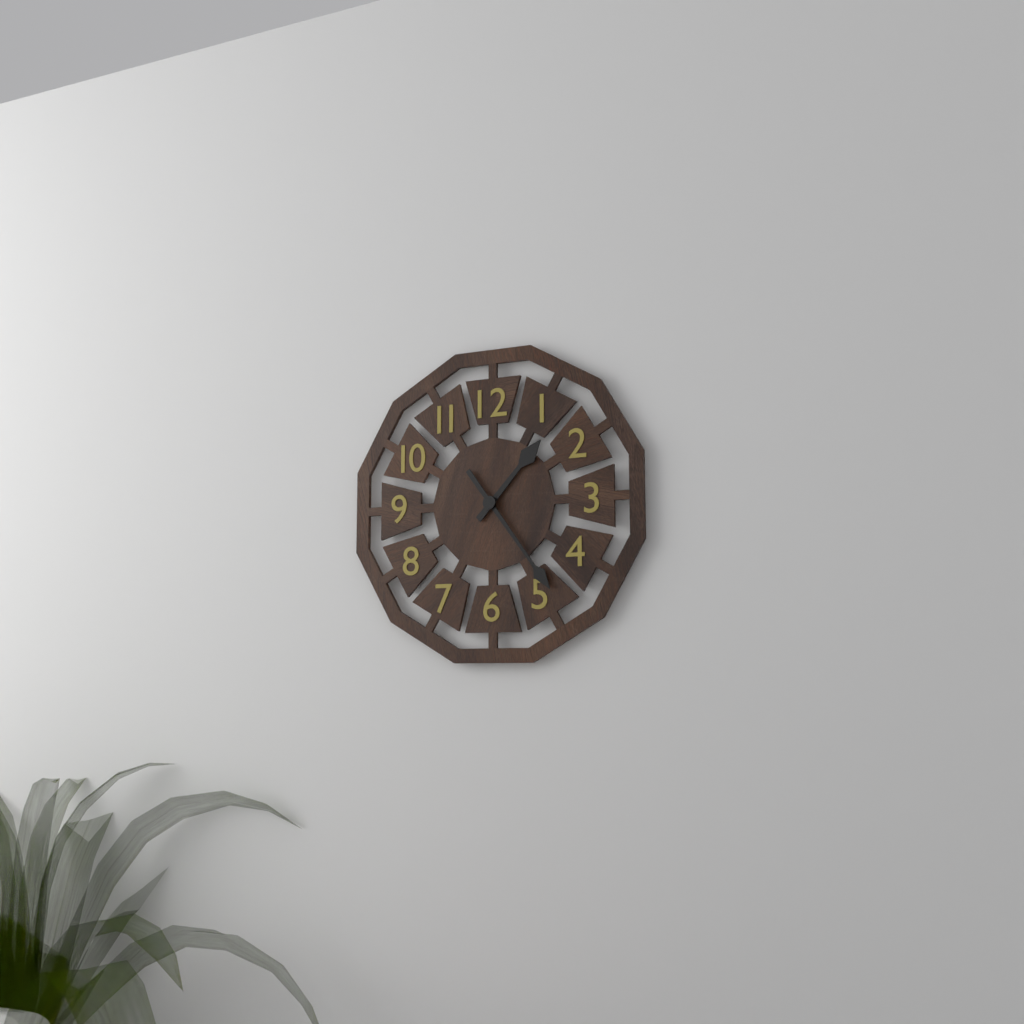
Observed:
{"hour": 1, "minute": 24}
